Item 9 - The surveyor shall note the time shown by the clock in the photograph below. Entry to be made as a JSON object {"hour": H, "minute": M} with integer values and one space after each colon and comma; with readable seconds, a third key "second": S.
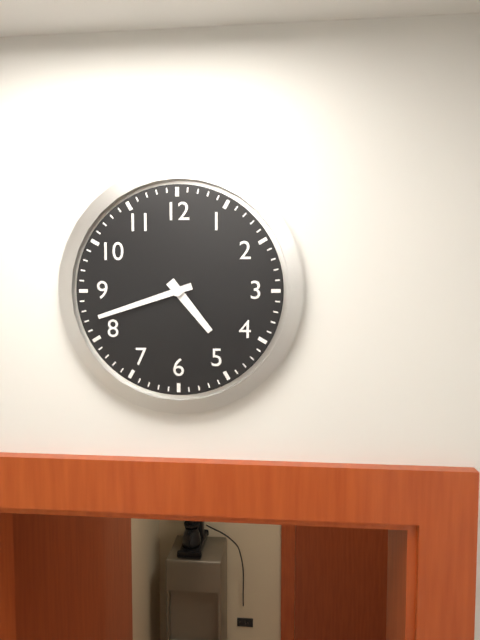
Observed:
{"hour": 4, "minute": 42}
